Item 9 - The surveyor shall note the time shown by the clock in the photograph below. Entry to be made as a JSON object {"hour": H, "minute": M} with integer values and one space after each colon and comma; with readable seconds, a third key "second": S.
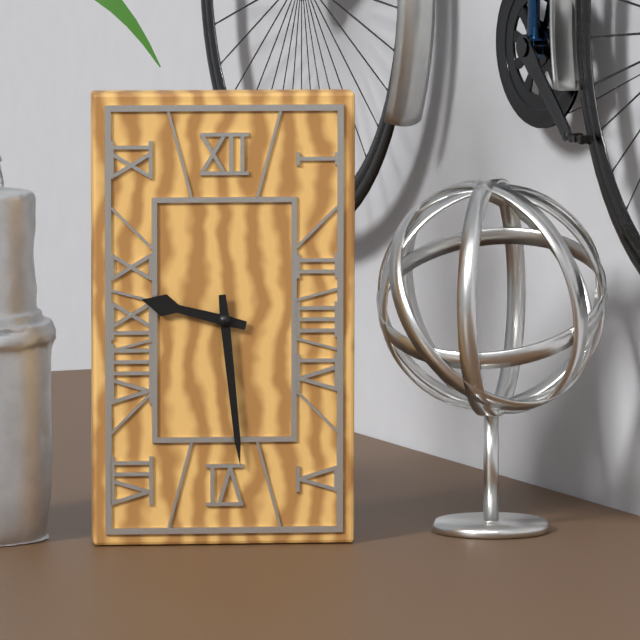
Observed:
{"hour": 9, "minute": 29}
